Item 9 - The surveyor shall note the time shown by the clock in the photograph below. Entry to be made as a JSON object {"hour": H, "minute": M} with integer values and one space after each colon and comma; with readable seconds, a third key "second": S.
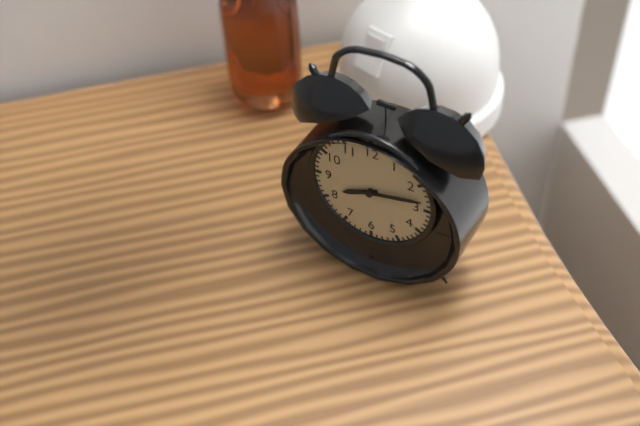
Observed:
{"hour": 8, "minute": 13}
